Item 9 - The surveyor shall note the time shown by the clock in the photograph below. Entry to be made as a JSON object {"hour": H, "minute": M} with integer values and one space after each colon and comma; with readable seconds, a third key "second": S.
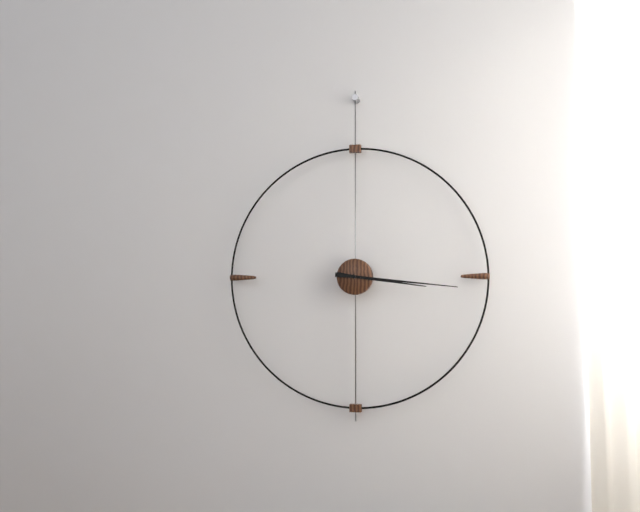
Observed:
{"hour": 3, "minute": 16}
